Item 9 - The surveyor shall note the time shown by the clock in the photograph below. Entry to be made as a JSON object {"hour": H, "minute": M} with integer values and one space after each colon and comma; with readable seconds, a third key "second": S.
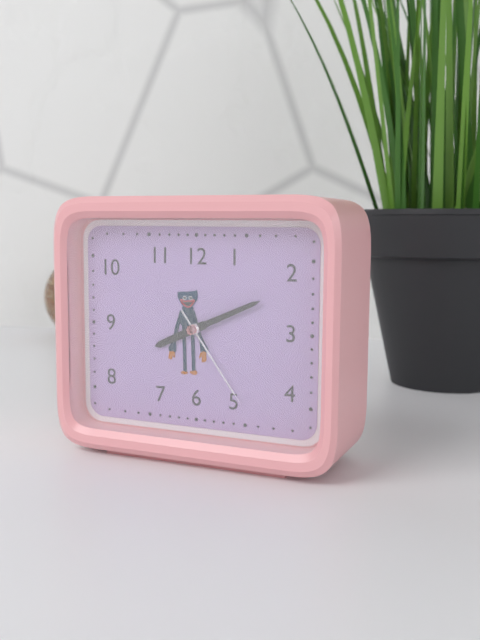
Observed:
{"hour": 8, "minute": 11, "second": 24}
